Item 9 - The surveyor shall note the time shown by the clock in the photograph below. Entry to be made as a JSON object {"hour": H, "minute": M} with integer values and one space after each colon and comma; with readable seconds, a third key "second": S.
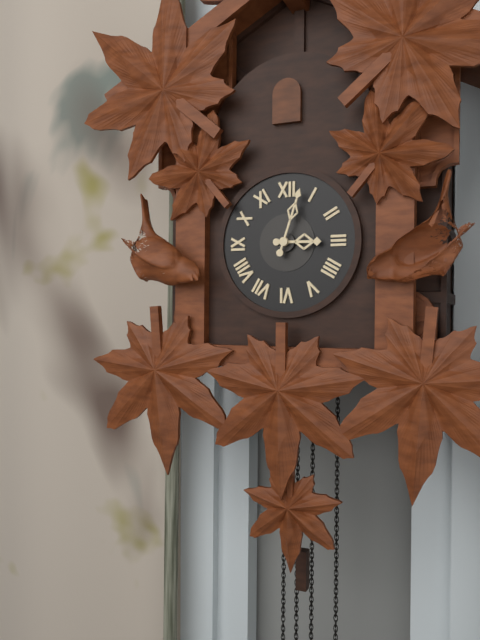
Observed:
{"hour": 3, "minute": 3}
